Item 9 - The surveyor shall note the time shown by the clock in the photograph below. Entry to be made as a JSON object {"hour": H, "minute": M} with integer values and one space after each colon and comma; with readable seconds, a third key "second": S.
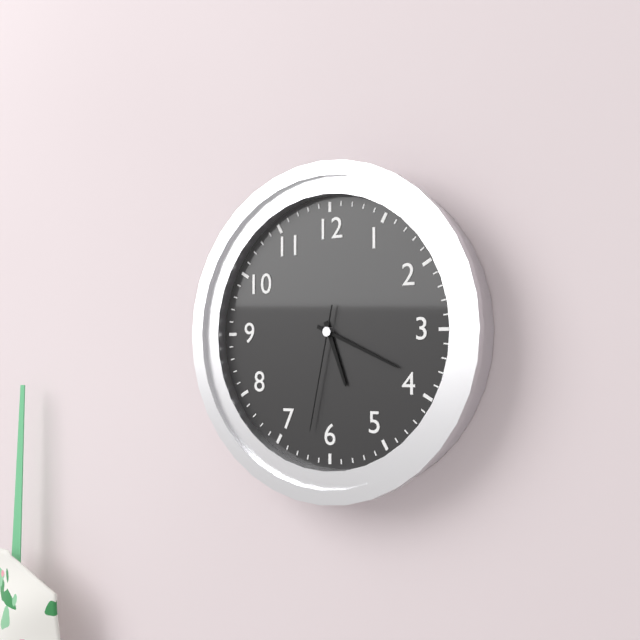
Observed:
{"hour": 5, "minute": 19, "second": 32}
